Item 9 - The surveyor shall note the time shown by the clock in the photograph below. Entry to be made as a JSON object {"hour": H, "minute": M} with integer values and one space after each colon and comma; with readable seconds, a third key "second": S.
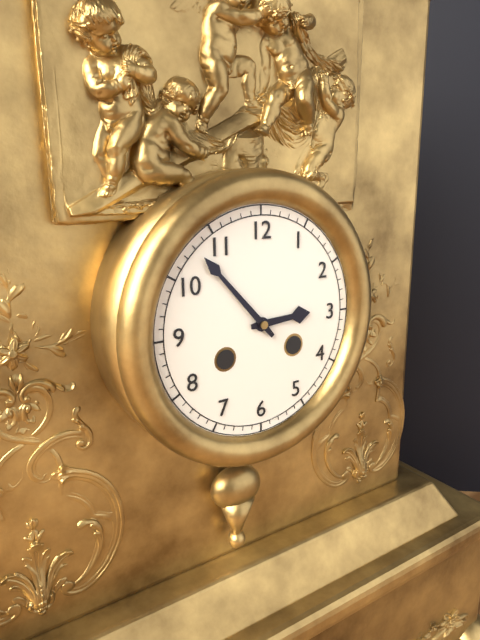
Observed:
{"hour": 2, "minute": 53}
